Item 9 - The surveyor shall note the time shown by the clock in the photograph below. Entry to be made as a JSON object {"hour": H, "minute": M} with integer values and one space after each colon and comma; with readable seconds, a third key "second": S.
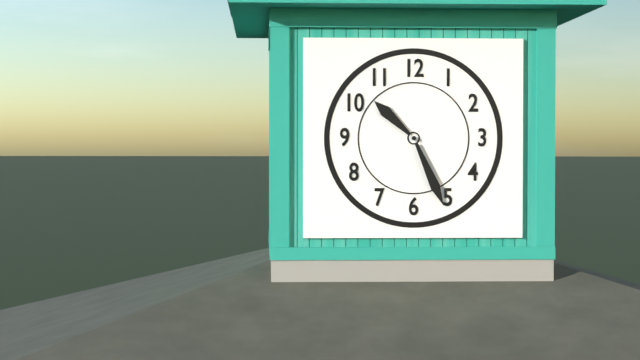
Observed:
{"hour": 10, "minute": 26}
